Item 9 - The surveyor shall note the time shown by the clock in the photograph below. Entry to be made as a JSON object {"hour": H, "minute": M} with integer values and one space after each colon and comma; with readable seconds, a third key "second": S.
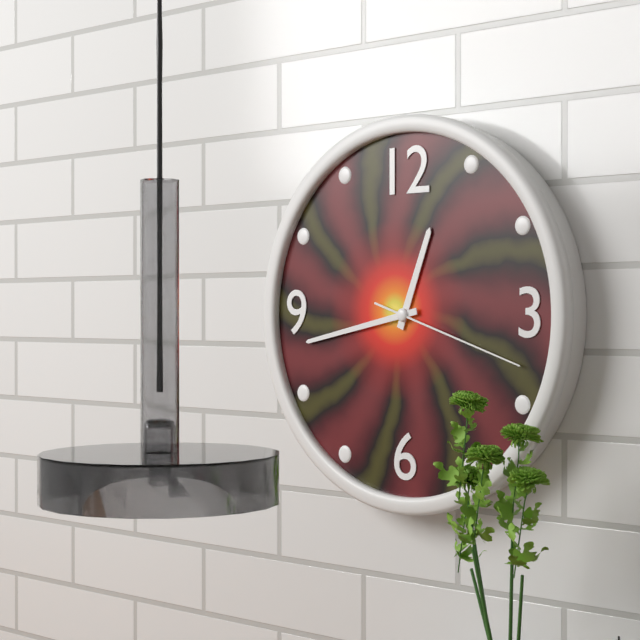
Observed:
{"hour": 12, "minute": 43, "second": 18}
